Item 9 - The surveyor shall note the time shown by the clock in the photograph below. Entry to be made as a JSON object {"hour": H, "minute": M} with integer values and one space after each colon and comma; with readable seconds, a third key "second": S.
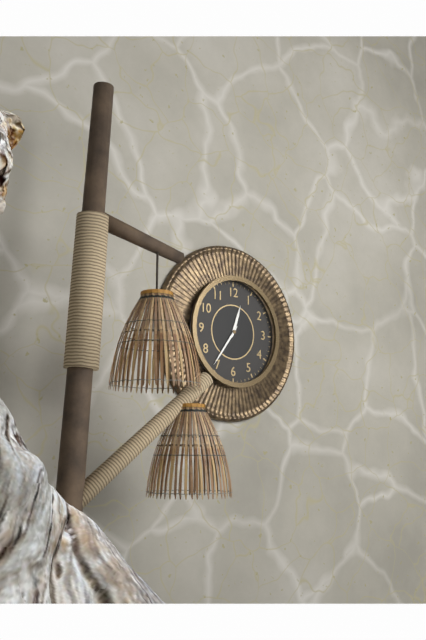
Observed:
{"hour": 12, "minute": 36}
